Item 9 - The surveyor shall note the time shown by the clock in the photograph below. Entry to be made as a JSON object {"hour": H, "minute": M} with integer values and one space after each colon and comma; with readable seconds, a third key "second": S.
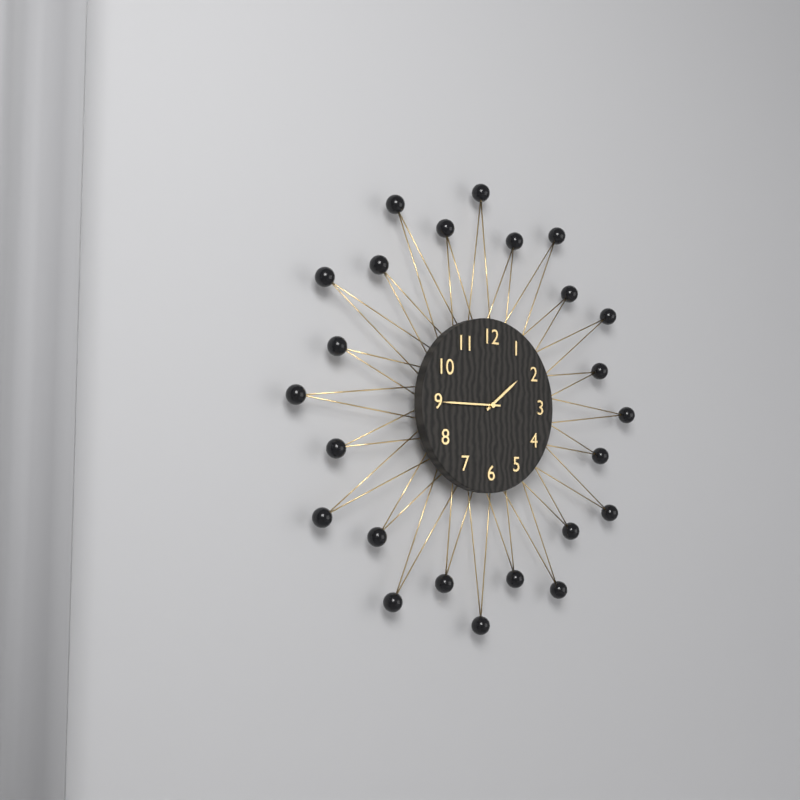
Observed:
{"hour": 1, "minute": 45}
